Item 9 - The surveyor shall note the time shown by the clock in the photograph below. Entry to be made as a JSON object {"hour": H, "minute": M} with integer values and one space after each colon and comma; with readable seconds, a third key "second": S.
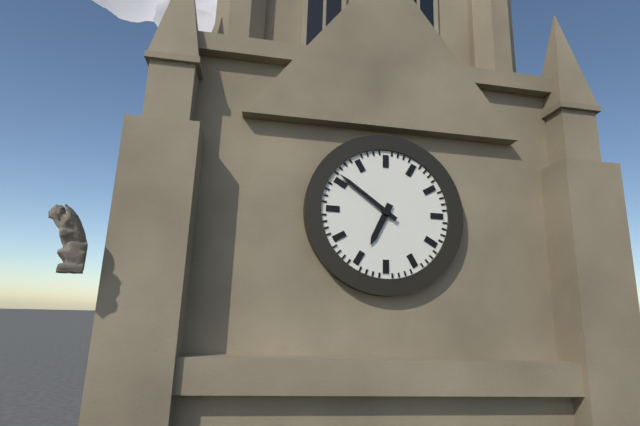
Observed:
{"hour": 6, "minute": 51}
